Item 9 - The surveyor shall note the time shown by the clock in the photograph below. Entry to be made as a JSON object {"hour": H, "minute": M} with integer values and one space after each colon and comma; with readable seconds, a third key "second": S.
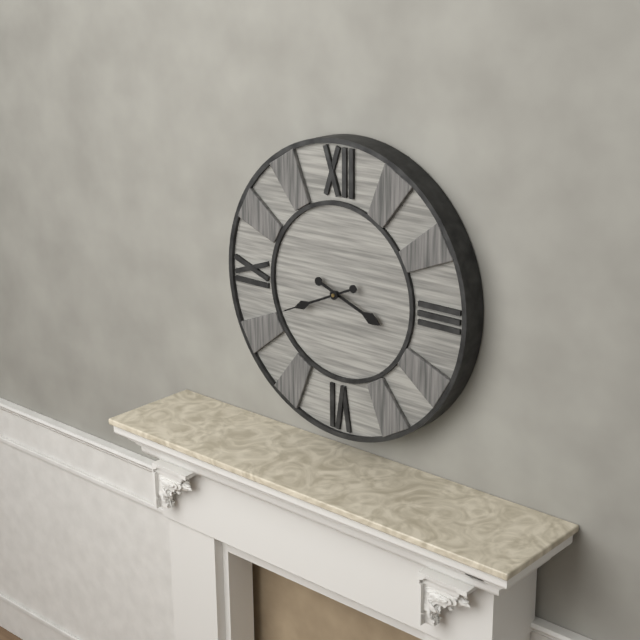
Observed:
{"hour": 3, "minute": 41}
